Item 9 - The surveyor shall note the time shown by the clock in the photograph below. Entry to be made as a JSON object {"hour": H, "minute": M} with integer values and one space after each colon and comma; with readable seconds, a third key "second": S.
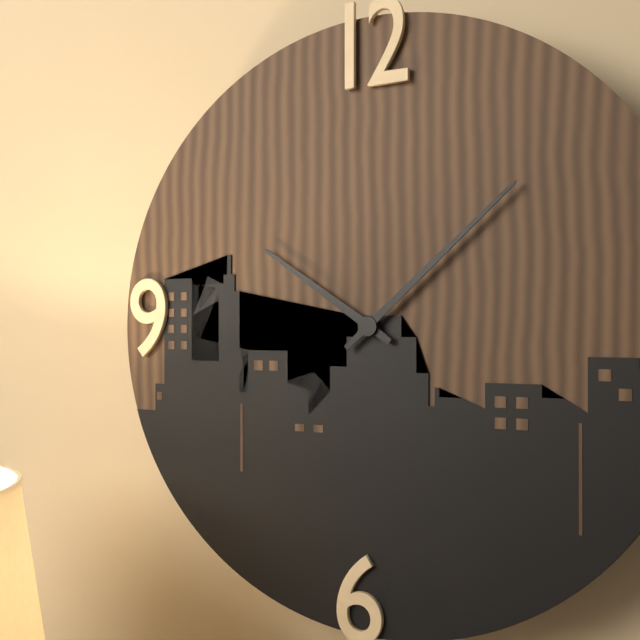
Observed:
{"hour": 10, "minute": 8}
